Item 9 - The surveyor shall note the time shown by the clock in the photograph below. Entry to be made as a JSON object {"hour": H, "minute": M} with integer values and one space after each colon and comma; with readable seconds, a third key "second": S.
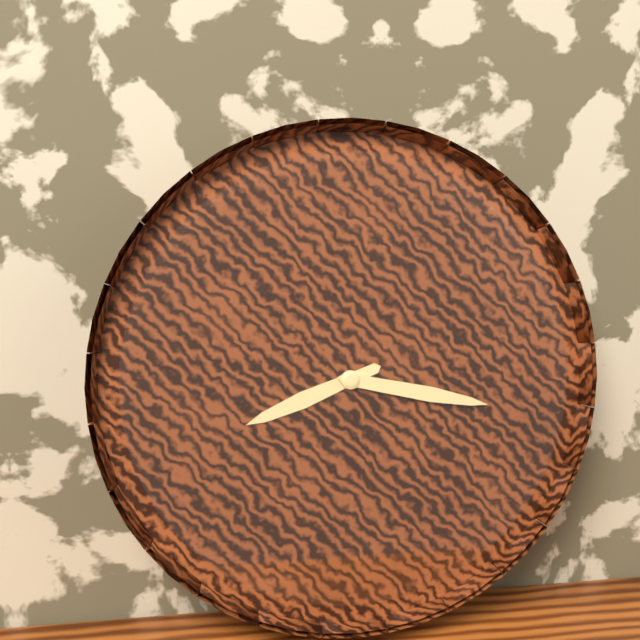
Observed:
{"hour": 8, "minute": 17}
